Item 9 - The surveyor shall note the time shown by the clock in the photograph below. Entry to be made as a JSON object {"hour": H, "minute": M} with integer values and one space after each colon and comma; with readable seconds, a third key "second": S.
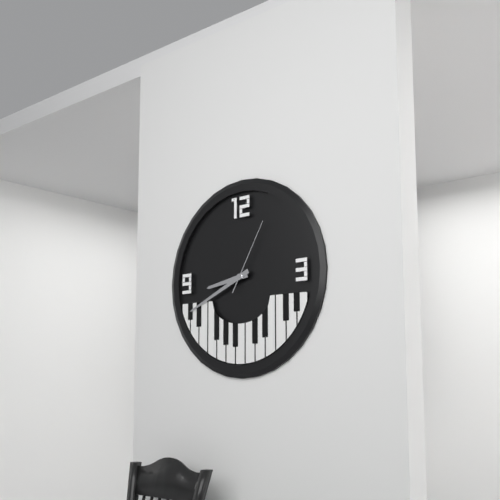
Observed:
{"hour": 8, "minute": 41, "second": 5}
